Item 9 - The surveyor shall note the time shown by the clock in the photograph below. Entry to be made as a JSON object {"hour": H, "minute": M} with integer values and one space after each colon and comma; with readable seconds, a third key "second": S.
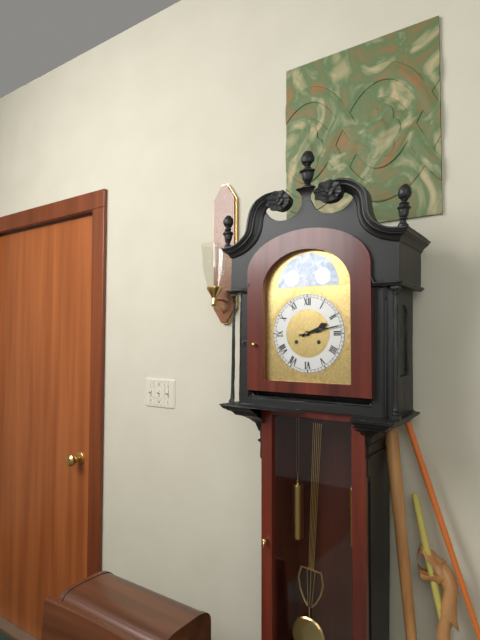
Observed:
{"hour": 2, "minute": 13}
